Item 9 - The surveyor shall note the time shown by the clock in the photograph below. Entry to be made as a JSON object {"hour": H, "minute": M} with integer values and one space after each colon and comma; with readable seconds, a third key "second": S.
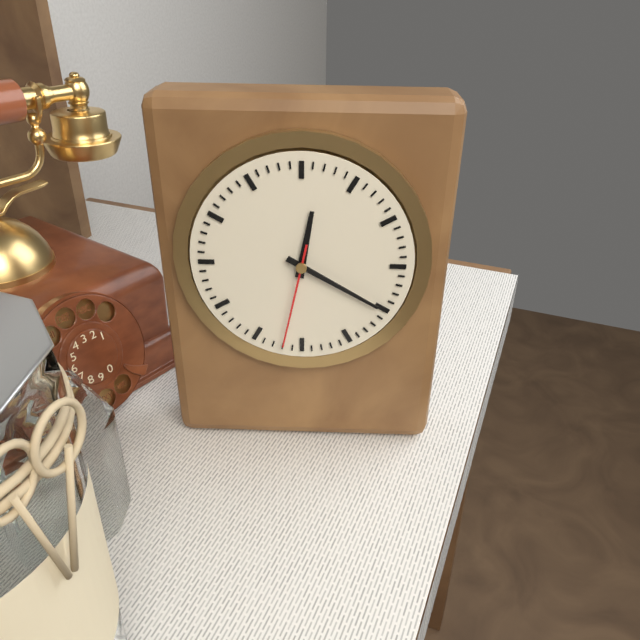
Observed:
{"hour": 12, "minute": 20, "second": 32}
